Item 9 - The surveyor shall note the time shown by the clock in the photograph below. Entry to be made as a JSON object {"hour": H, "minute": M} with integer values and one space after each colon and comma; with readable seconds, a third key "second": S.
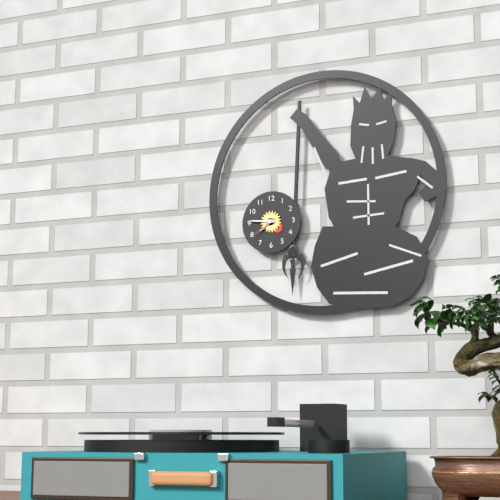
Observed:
{"hour": 7, "minute": 46}
